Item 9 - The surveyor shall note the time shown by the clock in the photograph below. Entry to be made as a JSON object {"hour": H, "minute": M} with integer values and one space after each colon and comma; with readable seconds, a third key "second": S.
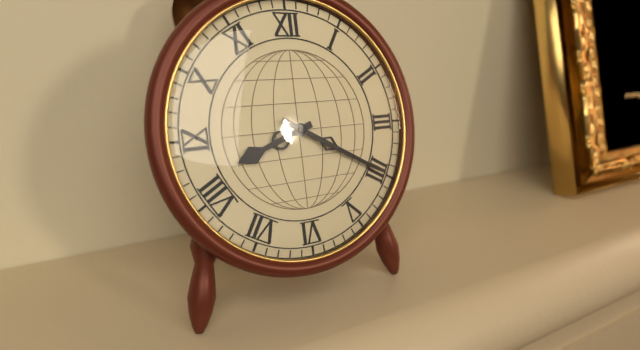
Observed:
{"hour": 8, "minute": 20}
